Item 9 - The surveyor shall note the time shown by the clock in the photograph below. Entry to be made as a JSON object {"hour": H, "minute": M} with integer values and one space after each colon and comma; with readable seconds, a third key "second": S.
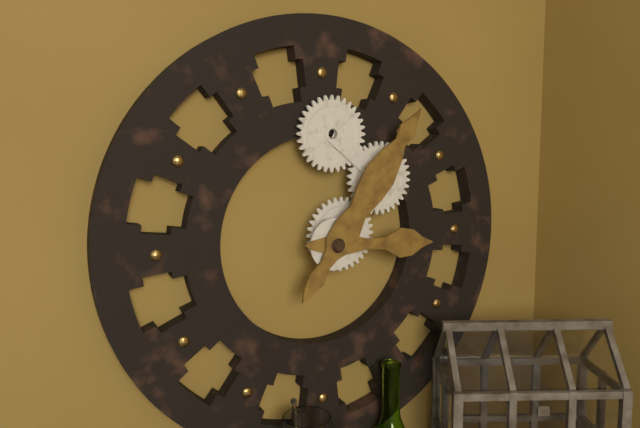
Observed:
{"hour": 3, "minute": 6}
